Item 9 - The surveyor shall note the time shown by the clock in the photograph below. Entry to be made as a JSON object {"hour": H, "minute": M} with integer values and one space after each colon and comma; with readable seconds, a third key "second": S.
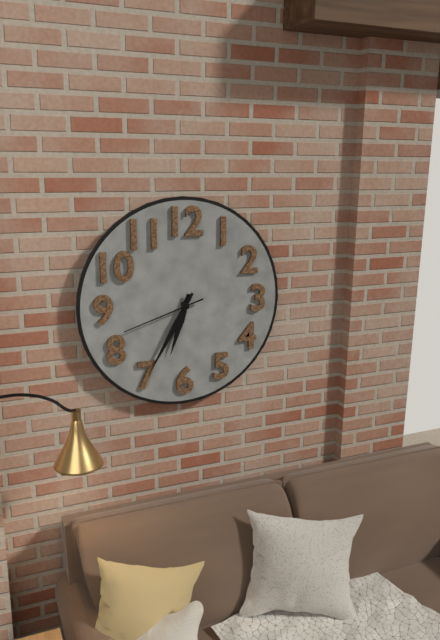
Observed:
{"hour": 6, "minute": 35, "second": 42}
